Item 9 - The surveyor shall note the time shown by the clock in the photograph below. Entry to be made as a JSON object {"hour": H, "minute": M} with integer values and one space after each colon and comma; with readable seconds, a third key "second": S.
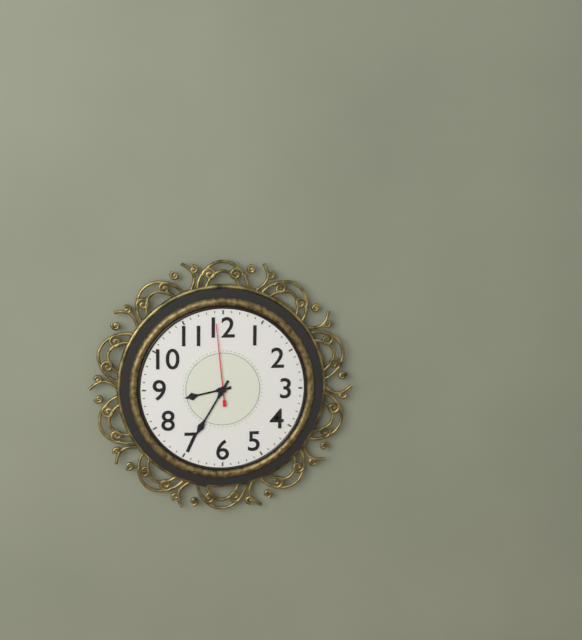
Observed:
{"hour": 8, "minute": 35, "second": 59}
